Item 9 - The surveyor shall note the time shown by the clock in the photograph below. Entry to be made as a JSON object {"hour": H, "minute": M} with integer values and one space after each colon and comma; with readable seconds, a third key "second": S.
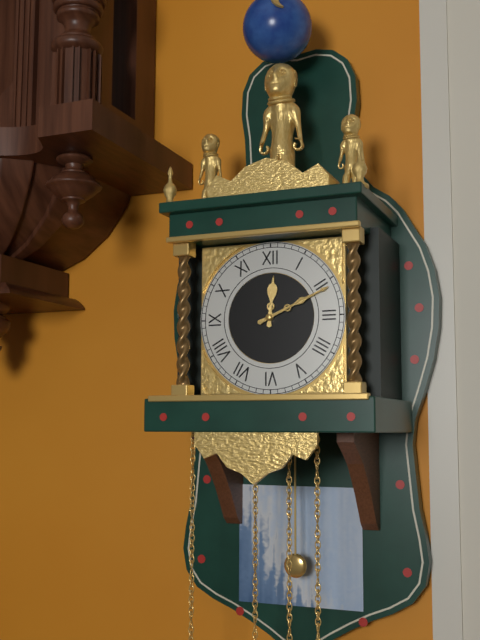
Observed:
{"hour": 12, "minute": 11}
